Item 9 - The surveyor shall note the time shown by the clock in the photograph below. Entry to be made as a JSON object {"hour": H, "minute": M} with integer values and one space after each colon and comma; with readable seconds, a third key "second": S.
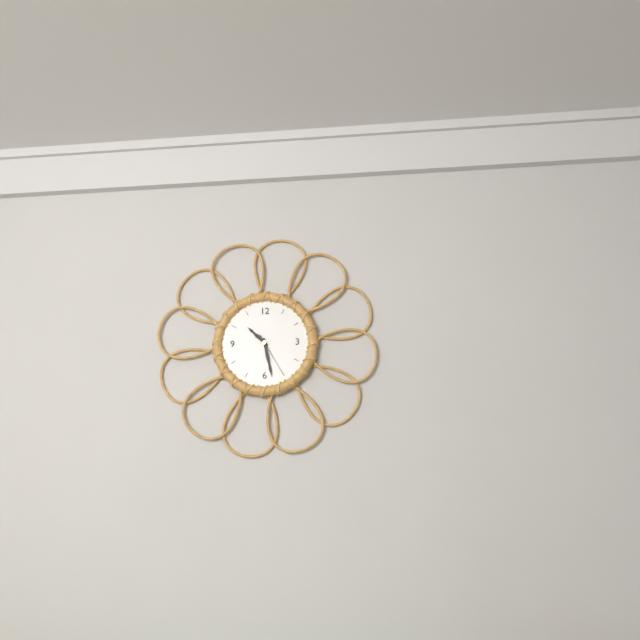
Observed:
{"hour": 10, "minute": 28}
